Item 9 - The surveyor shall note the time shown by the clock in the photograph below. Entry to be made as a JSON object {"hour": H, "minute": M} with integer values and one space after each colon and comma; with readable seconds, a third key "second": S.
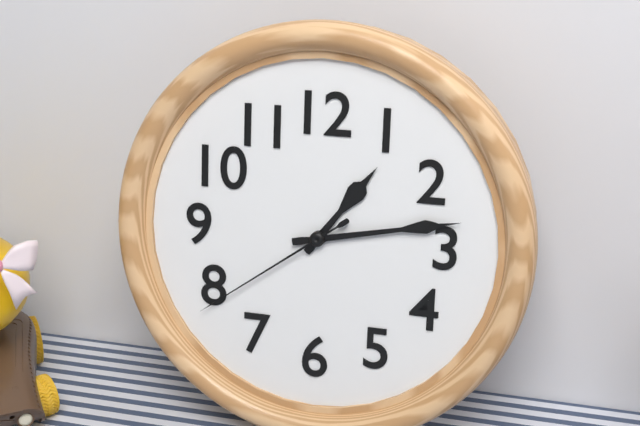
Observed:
{"hour": 1, "minute": 13, "second": 39}
